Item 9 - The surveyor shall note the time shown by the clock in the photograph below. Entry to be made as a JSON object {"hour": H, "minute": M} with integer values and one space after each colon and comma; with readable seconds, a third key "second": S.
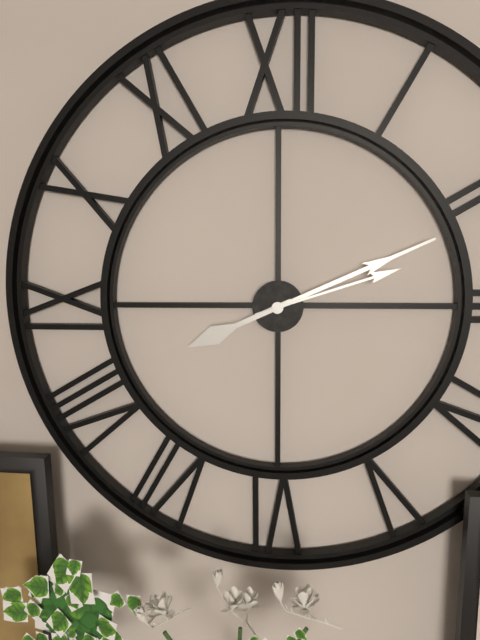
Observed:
{"hour": 8, "minute": 11, "second": 12}
